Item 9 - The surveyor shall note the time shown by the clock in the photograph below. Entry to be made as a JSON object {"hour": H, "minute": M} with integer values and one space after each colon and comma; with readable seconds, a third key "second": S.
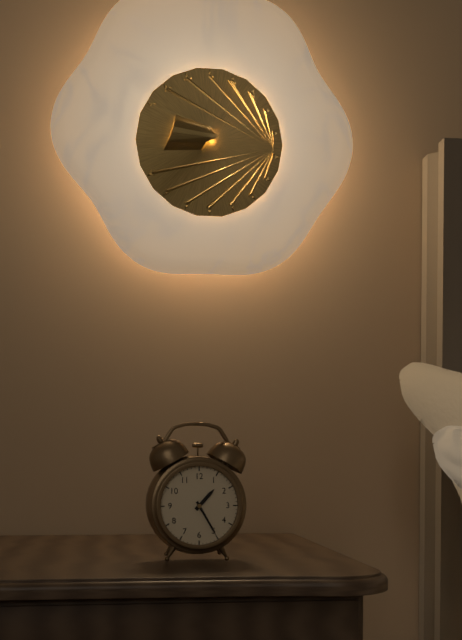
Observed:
{"hour": 1, "minute": 25}
